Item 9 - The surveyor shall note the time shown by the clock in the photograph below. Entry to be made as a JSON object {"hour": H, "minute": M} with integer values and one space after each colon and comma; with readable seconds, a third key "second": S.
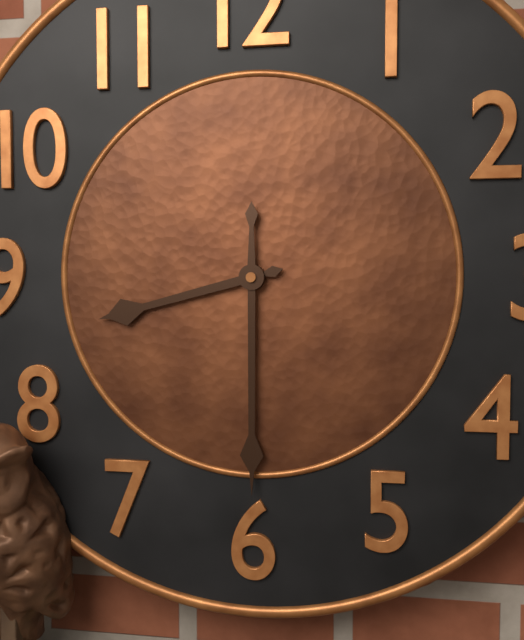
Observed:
{"hour": 8, "minute": 30}
